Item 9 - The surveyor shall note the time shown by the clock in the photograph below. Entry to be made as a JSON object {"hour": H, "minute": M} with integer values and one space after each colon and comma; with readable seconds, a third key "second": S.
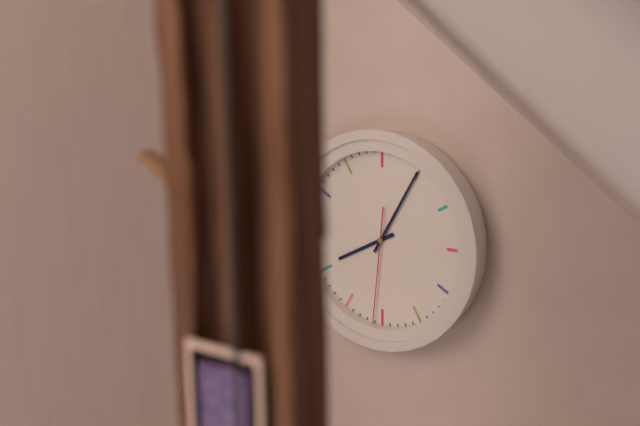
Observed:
{"hour": 8, "minute": 5, "second": 31}
